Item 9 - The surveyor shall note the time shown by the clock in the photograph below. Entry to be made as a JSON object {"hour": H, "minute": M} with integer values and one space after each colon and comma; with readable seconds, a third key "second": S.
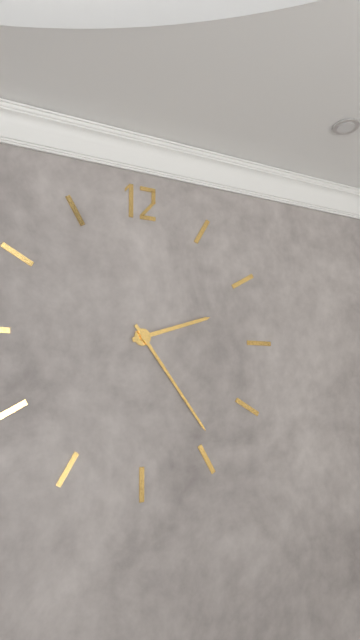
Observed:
{"hour": 2, "minute": 24}
